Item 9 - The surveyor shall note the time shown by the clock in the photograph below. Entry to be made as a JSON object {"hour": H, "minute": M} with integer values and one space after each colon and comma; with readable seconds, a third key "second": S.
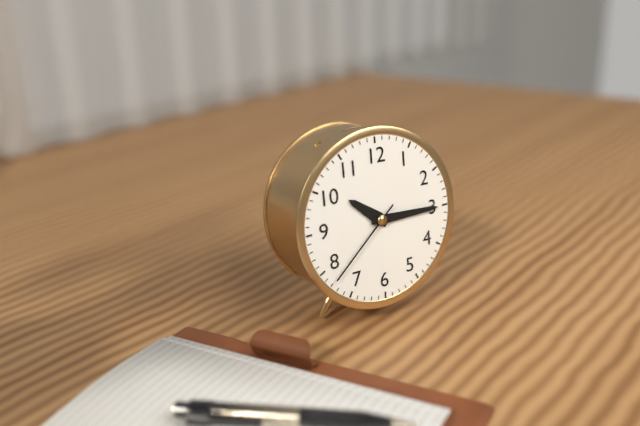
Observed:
{"hour": 10, "minute": 15, "second": 38}
